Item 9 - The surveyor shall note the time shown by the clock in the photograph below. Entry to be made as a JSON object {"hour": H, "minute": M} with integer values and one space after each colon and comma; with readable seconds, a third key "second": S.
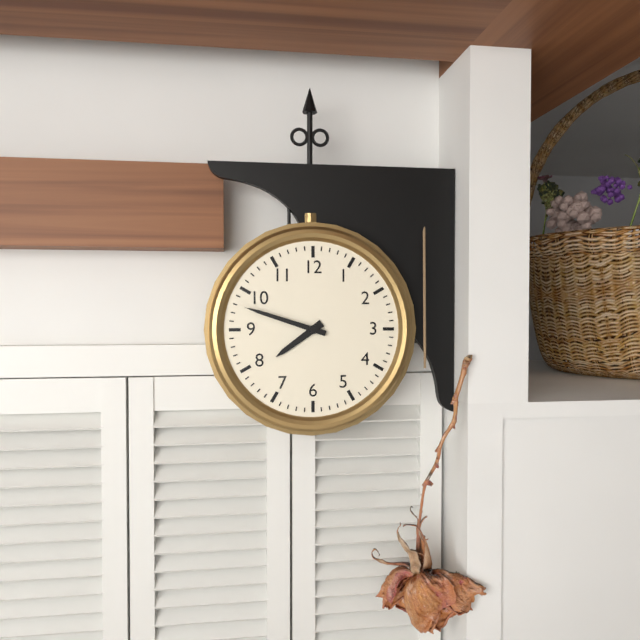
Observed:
{"hour": 7, "minute": 48}
